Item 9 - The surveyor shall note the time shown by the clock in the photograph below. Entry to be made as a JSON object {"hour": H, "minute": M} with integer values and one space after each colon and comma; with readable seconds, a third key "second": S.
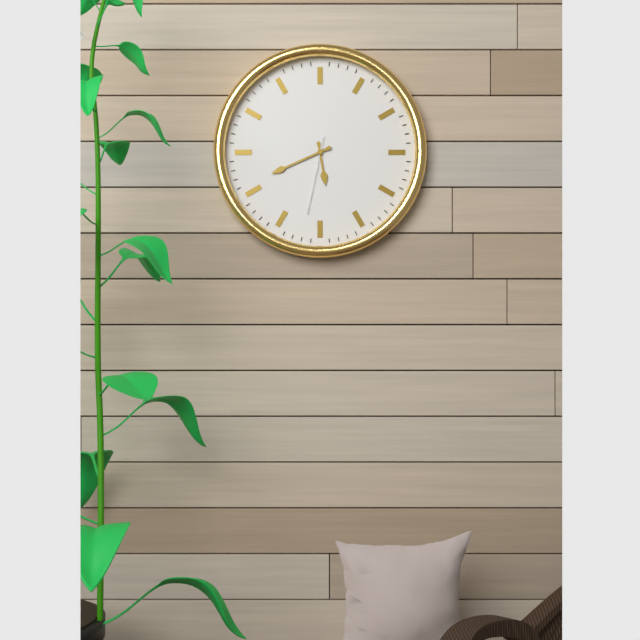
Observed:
{"hour": 5, "minute": 41, "second": 32}
